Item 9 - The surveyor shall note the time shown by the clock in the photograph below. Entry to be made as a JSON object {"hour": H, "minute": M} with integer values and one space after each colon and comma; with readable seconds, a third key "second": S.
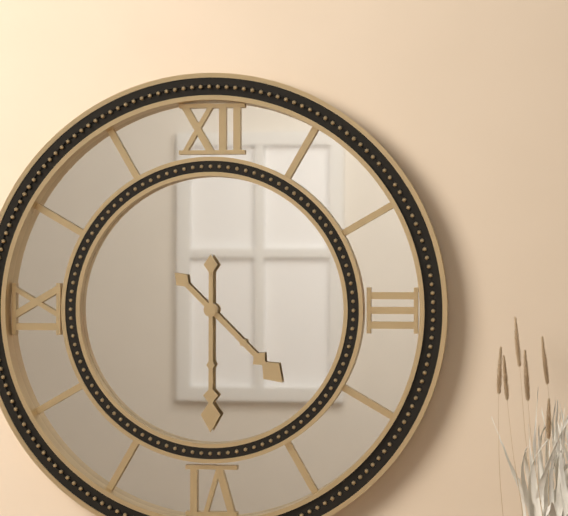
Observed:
{"hour": 4, "minute": 30}
